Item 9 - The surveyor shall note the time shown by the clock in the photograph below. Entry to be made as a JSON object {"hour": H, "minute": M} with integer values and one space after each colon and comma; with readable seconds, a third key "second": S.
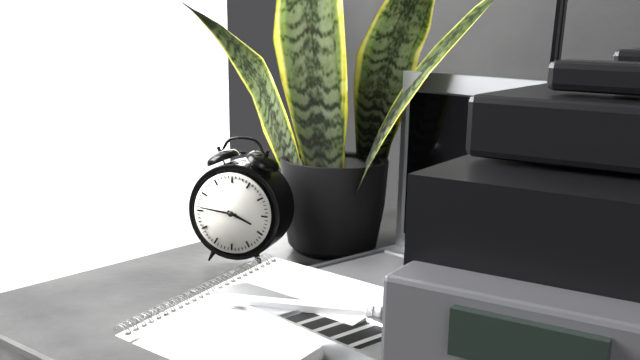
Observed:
{"hour": 3, "minute": 46}
